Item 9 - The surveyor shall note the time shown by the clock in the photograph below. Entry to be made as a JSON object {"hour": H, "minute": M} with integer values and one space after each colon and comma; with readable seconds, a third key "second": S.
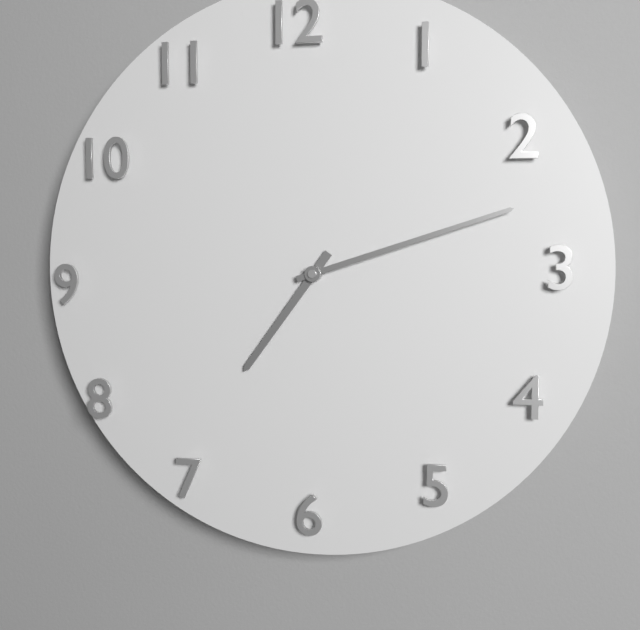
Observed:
{"hour": 7, "minute": 12}
